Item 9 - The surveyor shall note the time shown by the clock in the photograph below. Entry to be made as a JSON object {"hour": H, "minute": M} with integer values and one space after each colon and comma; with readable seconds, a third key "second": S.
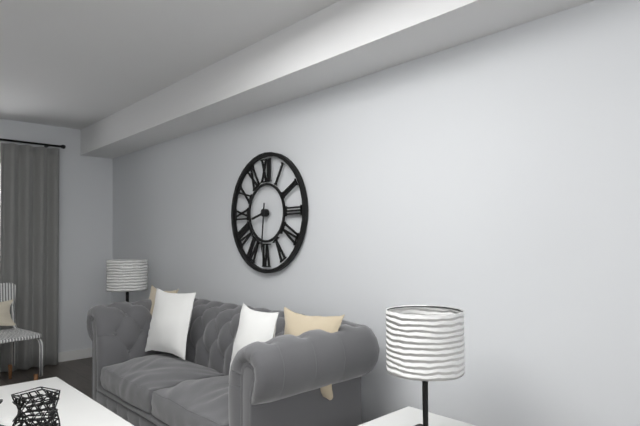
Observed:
{"hour": 8, "minute": 31}
